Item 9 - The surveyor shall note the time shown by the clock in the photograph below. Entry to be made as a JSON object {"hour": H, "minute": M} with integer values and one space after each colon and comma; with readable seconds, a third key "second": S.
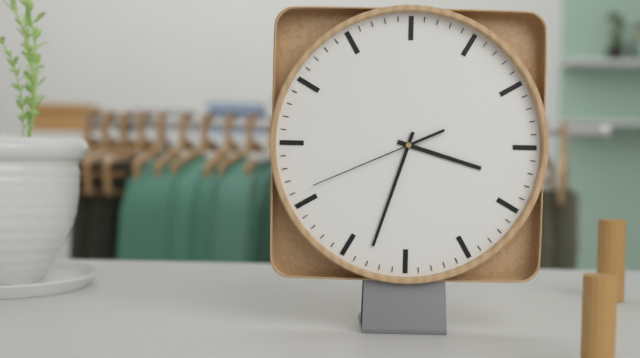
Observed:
{"hour": 3, "minute": 33, "second": 41}
